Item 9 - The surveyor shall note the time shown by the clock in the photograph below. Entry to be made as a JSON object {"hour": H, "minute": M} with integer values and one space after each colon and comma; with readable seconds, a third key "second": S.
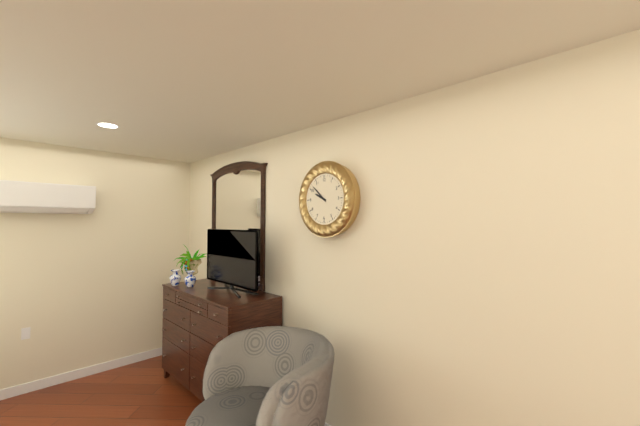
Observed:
{"hour": 9, "minute": 52}
